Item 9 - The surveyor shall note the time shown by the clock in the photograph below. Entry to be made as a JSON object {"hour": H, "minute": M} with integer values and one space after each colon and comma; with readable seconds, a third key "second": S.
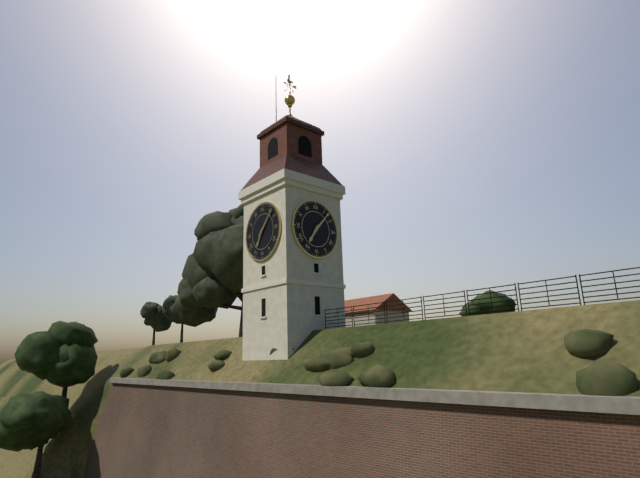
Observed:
{"hour": 7, "minute": 7}
